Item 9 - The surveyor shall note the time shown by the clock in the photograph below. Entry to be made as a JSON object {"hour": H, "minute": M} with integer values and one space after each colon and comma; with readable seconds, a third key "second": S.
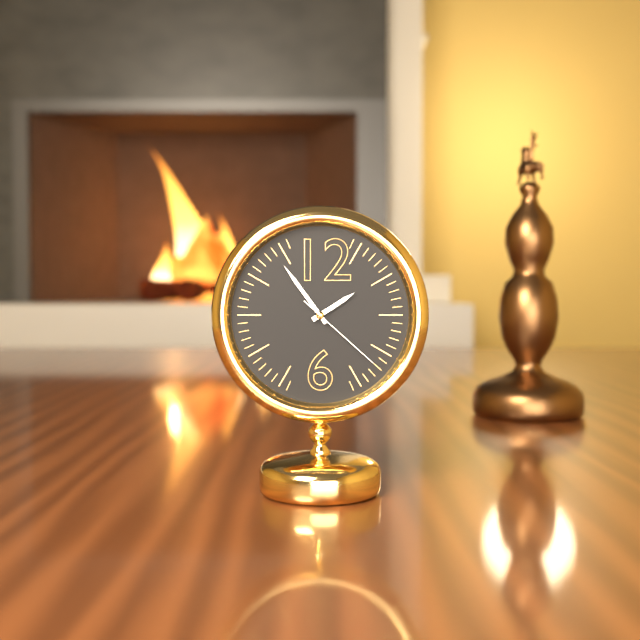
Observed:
{"hour": 1, "minute": 54, "second": 22}
